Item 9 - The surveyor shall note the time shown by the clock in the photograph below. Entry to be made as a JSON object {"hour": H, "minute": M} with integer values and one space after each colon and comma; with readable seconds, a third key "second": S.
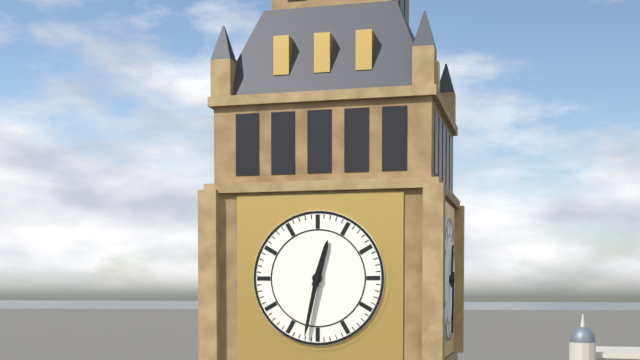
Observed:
{"hour": 12, "minute": 32}
